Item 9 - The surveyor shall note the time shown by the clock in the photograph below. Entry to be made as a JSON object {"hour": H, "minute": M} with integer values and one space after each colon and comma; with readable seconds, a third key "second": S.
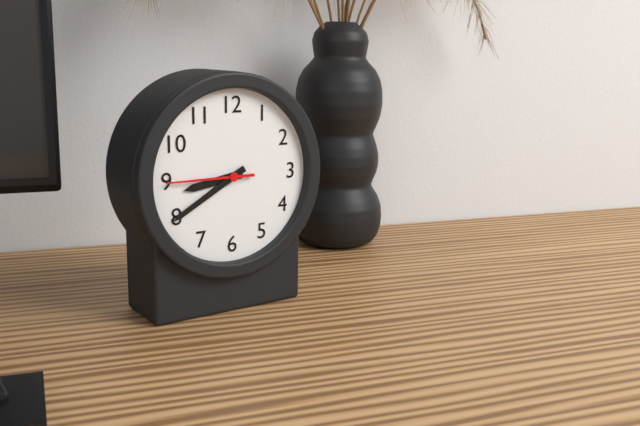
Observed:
{"hour": 8, "minute": 40, "second": 45}
